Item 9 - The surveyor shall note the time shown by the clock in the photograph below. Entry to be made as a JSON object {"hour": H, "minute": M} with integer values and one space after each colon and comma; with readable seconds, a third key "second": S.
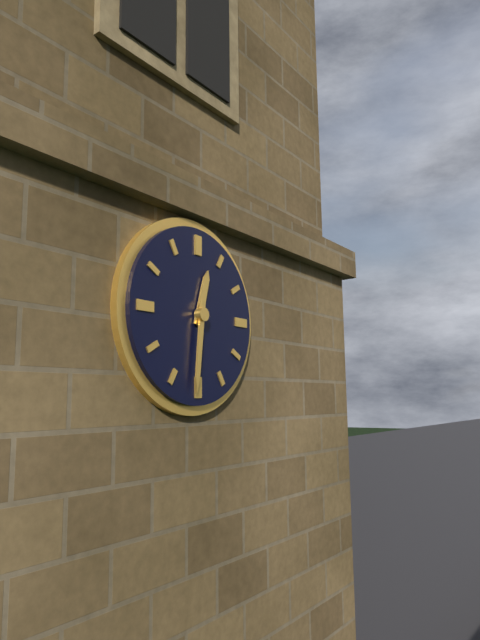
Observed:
{"hour": 12, "minute": 31}
